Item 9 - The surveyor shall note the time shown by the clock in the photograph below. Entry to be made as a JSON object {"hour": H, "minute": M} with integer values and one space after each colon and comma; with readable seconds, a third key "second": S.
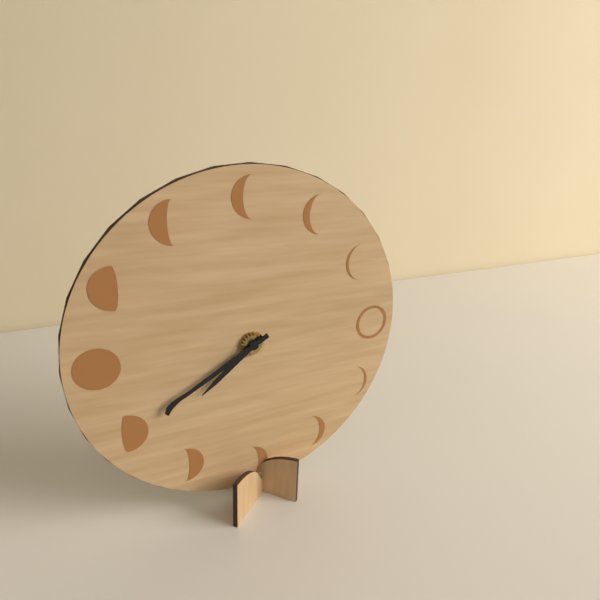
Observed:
{"hour": 7, "minute": 40}
